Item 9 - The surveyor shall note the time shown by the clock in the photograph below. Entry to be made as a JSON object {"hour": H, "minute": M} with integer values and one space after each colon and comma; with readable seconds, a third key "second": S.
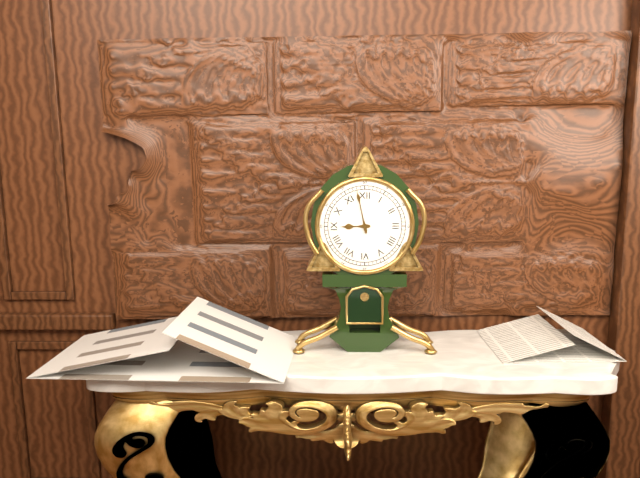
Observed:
{"hour": 8, "minute": 58}
